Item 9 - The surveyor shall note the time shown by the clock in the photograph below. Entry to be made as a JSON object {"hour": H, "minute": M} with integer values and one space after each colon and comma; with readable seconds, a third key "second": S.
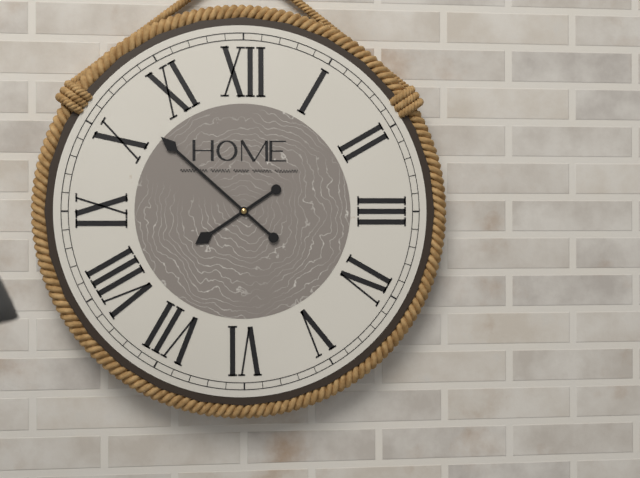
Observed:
{"hour": 7, "minute": 52}
